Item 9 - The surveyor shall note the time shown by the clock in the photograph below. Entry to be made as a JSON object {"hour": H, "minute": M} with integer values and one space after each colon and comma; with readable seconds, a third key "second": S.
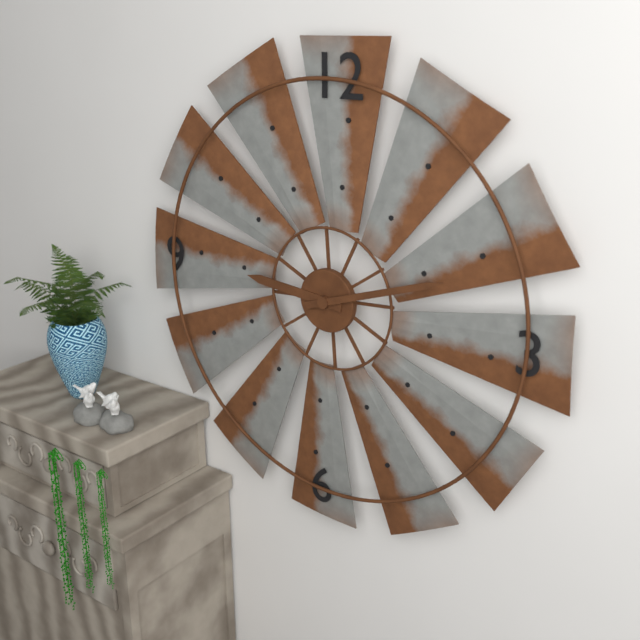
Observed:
{"hour": 9, "minute": 12}
